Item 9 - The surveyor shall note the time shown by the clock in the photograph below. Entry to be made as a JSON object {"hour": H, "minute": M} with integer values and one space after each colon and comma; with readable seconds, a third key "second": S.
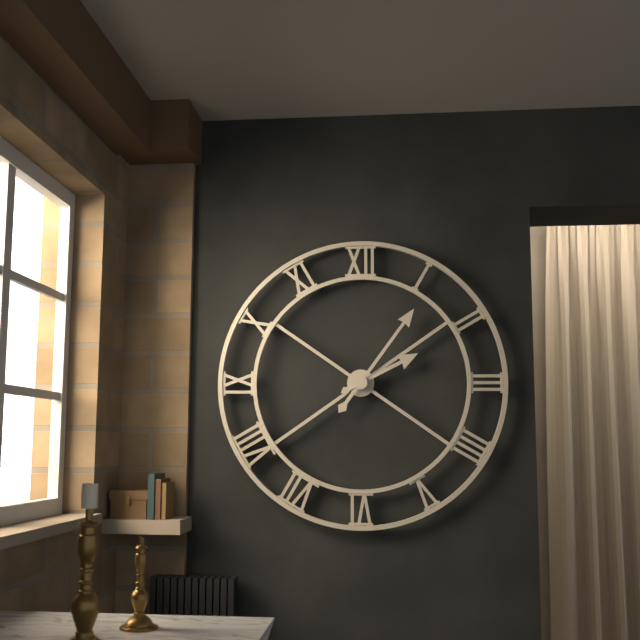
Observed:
{"hour": 2, "minute": 6}
